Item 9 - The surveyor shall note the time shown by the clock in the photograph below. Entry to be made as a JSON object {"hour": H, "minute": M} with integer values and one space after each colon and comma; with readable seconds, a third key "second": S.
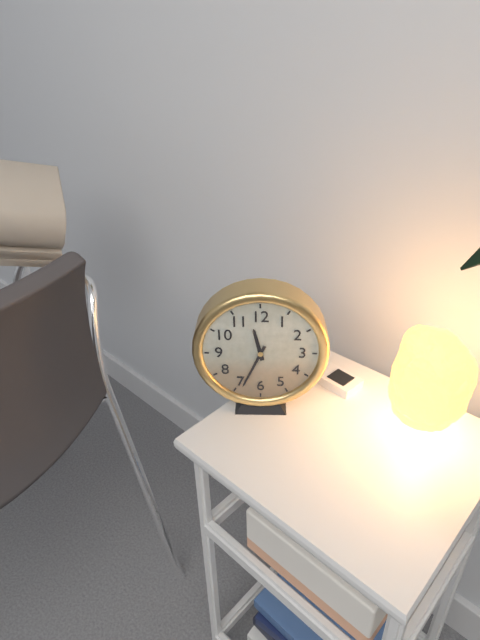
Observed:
{"hour": 11, "minute": 34}
